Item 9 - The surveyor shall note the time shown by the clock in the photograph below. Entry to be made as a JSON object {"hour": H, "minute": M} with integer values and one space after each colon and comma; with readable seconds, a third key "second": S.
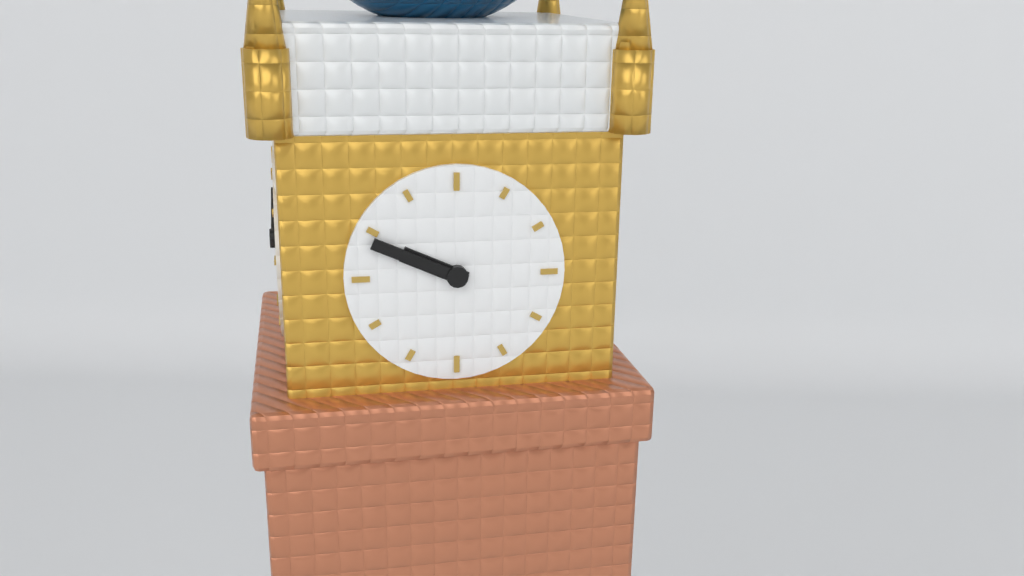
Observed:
{"hour": 9, "minute": 49}
